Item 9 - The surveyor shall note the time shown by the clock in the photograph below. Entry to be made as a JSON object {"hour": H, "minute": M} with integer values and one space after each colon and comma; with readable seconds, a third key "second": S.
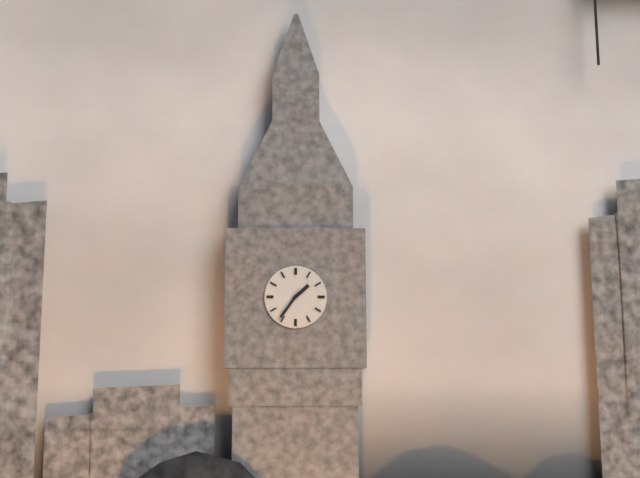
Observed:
{"hour": 1, "minute": 36}
